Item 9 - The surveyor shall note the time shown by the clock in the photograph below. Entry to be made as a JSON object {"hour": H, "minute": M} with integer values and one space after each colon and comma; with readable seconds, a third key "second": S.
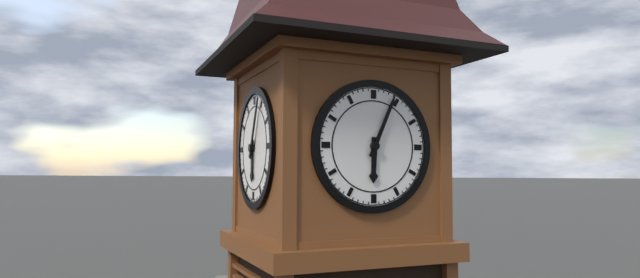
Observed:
{"hour": 6, "minute": 4}
